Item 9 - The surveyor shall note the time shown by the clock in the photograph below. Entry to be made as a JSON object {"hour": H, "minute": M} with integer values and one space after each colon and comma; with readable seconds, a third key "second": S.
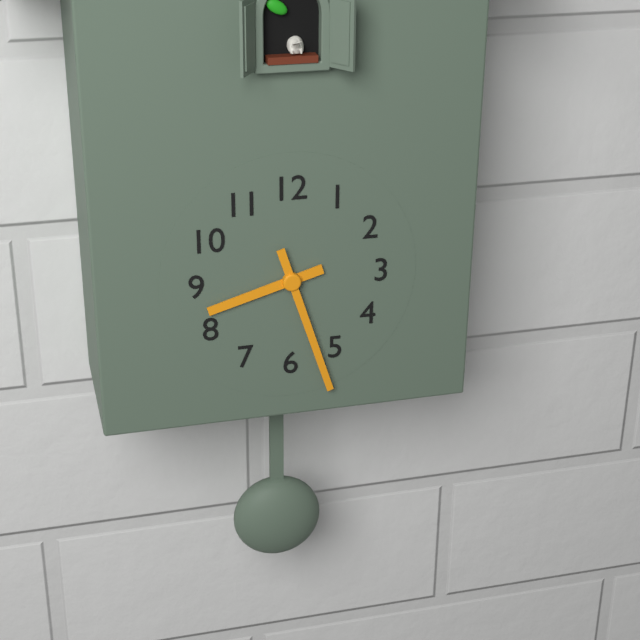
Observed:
{"hour": 8, "minute": 27}
